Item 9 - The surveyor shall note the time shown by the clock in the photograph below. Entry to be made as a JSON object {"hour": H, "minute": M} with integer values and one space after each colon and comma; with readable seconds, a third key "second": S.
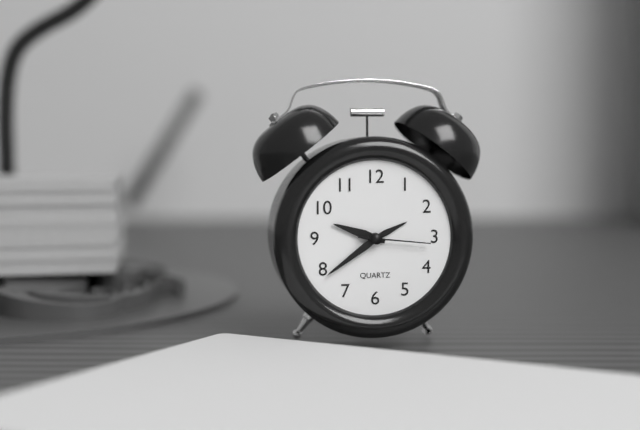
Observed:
{"hour": 9, "minute": 39, "second": 16}
